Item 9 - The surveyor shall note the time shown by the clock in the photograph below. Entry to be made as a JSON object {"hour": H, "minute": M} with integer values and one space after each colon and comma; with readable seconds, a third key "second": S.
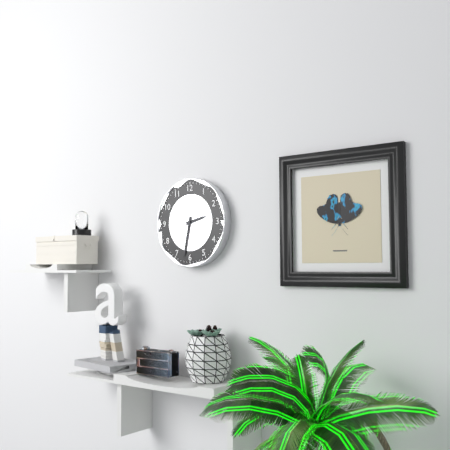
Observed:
{"hour": 2, "minute": 32}
